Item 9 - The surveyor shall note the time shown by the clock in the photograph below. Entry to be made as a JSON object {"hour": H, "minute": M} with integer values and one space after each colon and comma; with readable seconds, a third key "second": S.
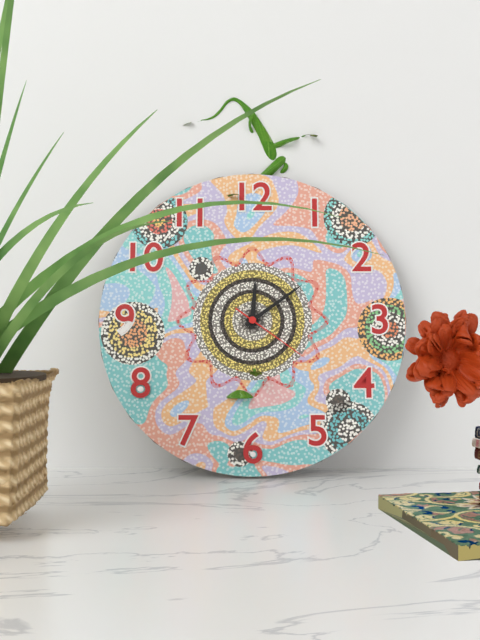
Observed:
{"hour": 12, "minute": 9, "second": 21}
